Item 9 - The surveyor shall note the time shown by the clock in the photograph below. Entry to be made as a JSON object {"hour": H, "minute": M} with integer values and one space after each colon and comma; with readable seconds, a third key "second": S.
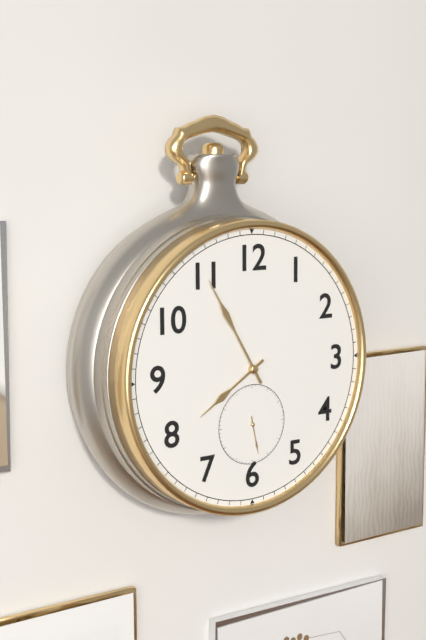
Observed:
{"hour": 7, "minute": 55}
